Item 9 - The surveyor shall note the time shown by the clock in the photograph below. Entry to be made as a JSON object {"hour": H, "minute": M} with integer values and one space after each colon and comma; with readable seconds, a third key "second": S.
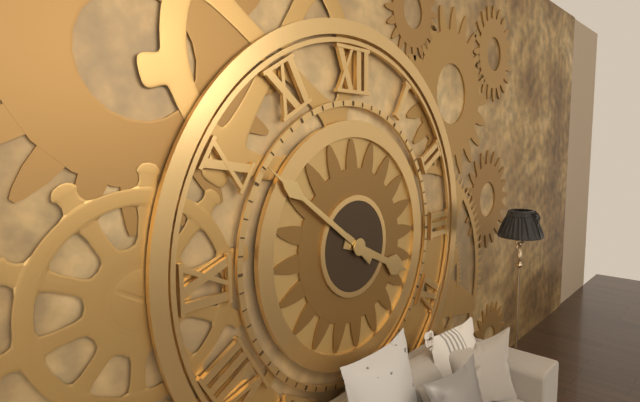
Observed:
{"hour": 3, "minute": 51}
